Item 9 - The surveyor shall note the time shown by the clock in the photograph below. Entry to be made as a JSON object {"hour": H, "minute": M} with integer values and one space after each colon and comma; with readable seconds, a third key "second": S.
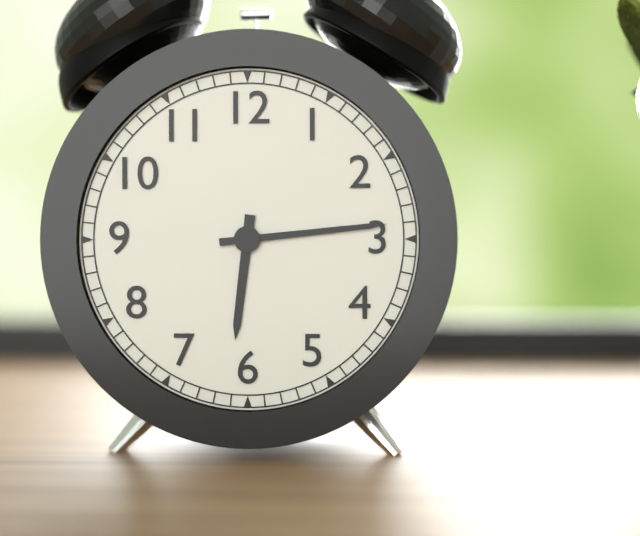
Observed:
{"hour": 6, "minute": 14}
